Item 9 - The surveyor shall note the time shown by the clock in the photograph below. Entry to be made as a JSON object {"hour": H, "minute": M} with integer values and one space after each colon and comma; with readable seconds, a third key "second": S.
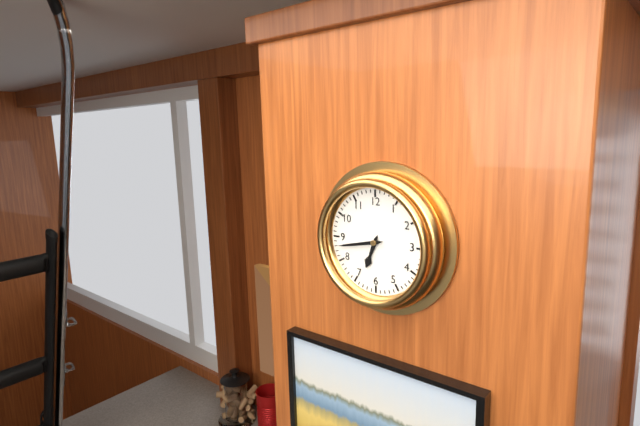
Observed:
{"hour": 6, "minute": 43}
